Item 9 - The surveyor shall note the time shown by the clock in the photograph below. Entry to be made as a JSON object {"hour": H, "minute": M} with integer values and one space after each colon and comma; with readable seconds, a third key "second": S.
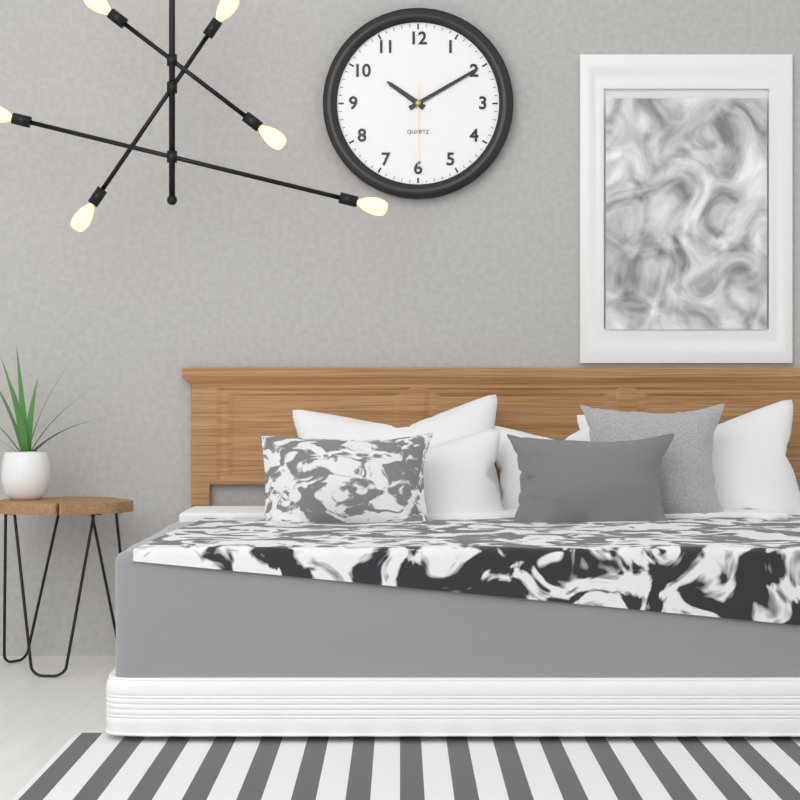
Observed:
{"hour": 10, "minute": 10, "second": 30}
